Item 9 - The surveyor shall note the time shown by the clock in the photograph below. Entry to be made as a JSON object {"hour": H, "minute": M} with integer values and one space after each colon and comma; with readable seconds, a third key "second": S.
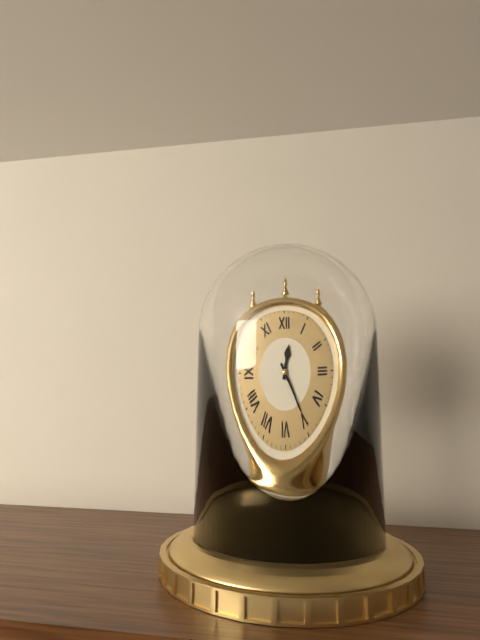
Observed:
{"hour": 12, "minute": 25}
